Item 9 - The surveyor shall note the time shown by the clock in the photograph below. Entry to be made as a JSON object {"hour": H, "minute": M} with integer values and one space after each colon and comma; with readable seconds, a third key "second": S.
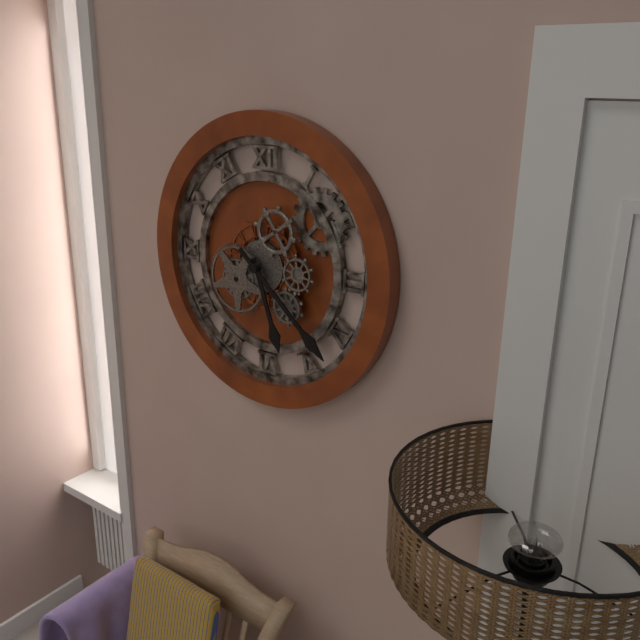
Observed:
{"hour": 5, "minute": 22}
